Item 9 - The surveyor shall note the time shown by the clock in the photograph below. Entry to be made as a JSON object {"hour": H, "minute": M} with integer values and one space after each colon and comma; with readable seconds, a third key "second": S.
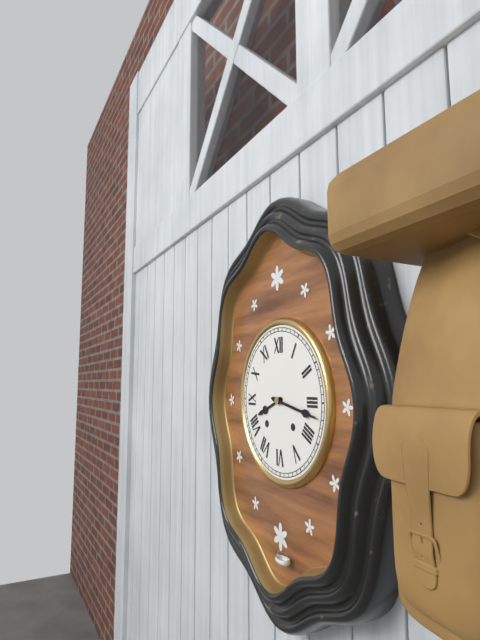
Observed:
{"hour": 8, "minute": 17}
